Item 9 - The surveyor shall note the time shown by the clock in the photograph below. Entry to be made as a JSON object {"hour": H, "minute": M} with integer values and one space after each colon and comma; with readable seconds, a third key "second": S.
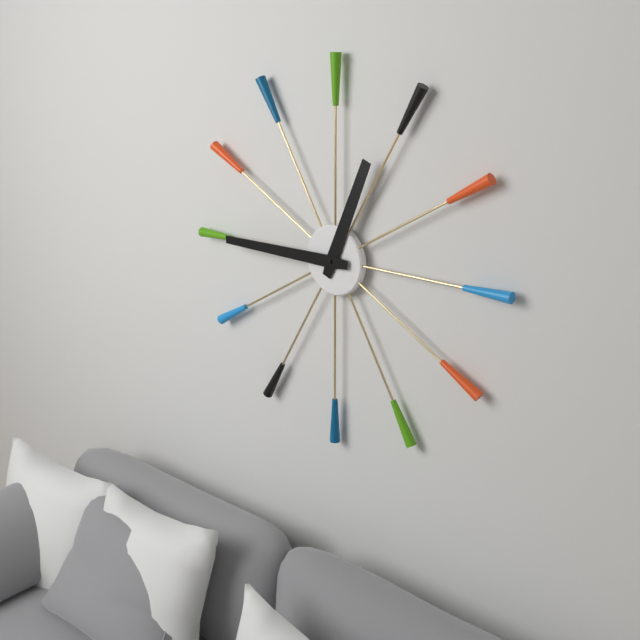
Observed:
{"hour": 12, "minute": 45}
